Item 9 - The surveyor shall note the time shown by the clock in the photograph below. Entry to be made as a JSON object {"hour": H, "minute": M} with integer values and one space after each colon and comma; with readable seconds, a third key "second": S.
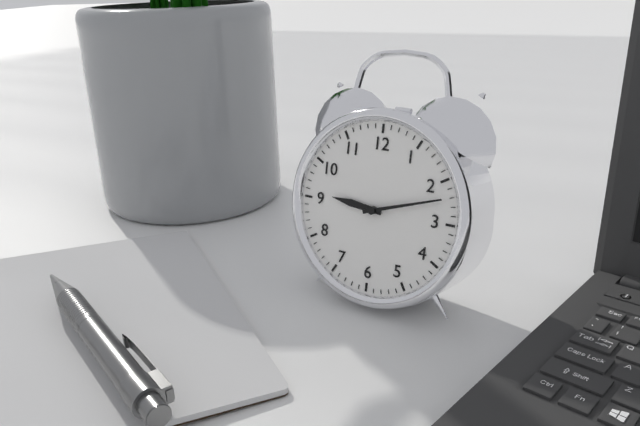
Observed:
{"hour": 9, "minute": 12}
